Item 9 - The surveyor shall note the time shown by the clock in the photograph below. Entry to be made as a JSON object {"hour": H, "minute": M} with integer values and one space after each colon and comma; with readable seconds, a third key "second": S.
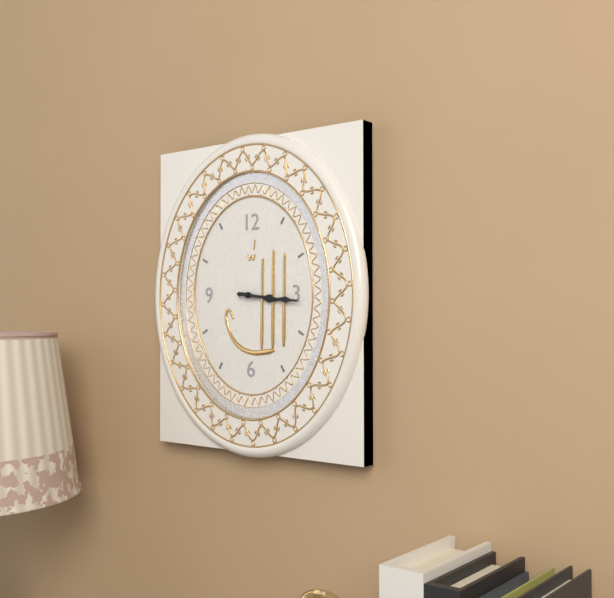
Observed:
{"hour": 3, "minute": 16}
